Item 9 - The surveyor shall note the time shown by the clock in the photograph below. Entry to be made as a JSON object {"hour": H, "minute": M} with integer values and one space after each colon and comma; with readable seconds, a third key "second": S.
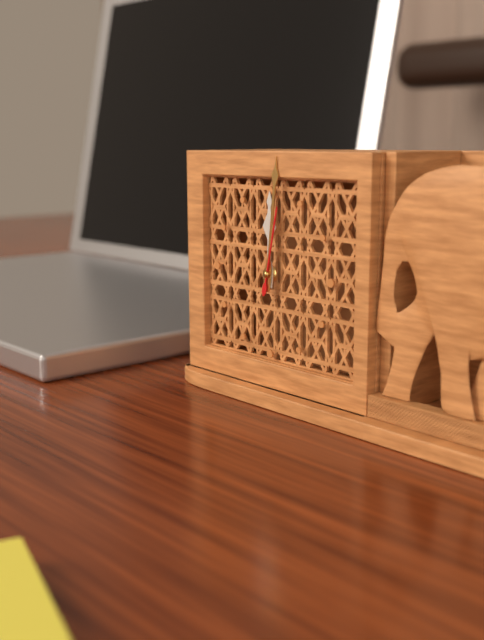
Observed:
{"hour": 12, "minute": 1, "second": 2}
